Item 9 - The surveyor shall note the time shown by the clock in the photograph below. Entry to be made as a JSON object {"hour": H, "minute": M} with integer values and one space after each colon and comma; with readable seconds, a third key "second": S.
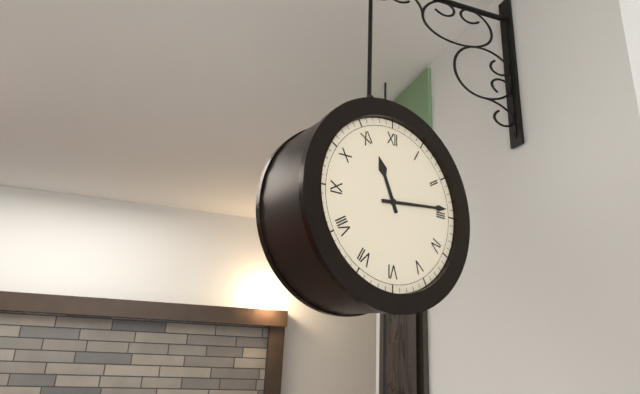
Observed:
{"hour": 11, "minute": 14}
